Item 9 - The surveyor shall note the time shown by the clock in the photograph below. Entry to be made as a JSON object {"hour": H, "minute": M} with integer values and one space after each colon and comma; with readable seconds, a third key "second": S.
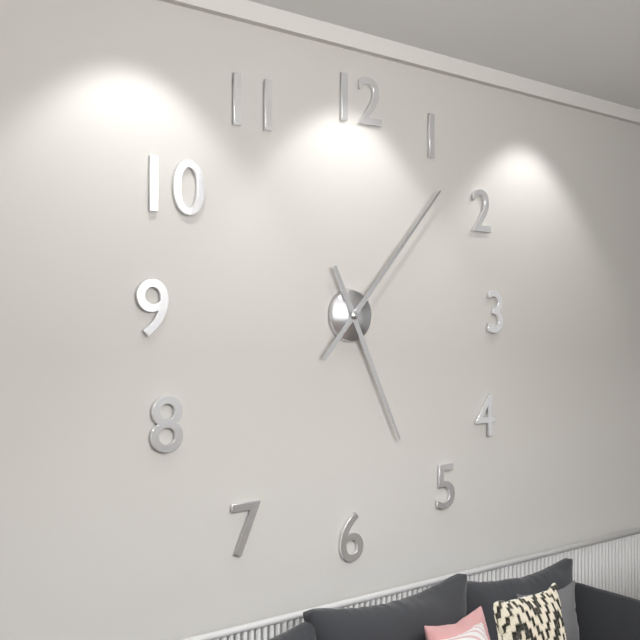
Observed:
{"hour": 5, "minute": 7}
